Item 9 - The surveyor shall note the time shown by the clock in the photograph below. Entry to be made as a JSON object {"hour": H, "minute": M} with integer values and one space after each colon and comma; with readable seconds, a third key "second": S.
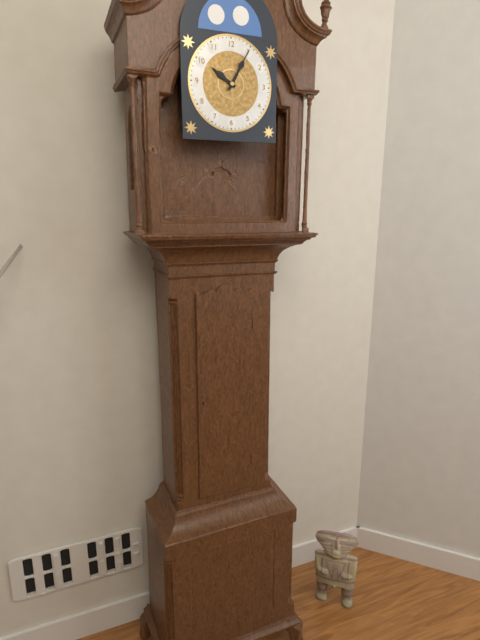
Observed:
{"hour": 10, "minute": 5}
